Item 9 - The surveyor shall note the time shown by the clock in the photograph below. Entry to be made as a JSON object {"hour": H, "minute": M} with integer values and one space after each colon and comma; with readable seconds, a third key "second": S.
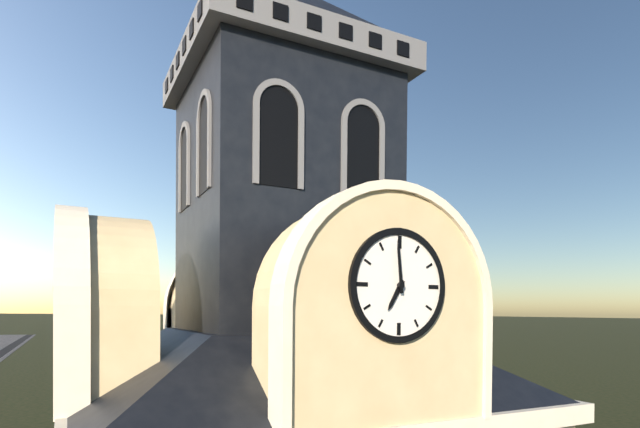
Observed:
{"hour": 6, "minute": 59}
